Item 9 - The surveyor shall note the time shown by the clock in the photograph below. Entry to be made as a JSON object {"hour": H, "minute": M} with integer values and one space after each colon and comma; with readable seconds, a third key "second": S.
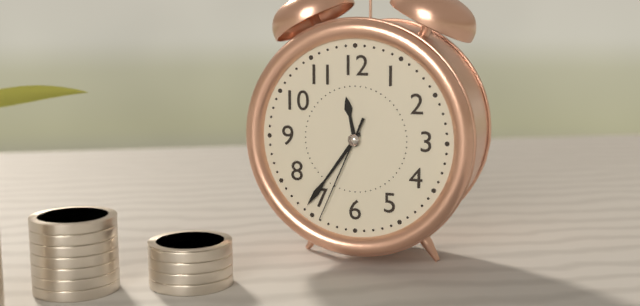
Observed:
{"hour": 11, "minute": 36, "second": 34}
